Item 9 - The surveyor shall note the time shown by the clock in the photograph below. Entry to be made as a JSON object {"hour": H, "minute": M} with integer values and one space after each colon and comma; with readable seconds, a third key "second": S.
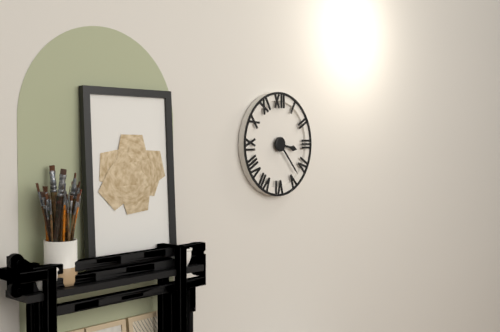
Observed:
{"hour": 3, "minute": 23}
